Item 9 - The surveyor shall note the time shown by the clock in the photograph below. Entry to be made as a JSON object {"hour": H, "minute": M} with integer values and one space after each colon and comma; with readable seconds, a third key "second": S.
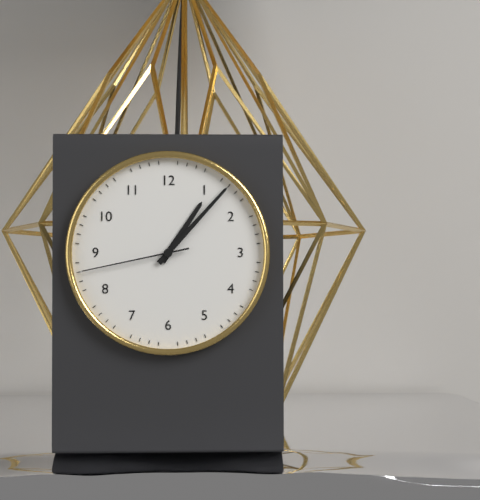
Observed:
{"hour": 1, "minute": 7, "second": 43}
